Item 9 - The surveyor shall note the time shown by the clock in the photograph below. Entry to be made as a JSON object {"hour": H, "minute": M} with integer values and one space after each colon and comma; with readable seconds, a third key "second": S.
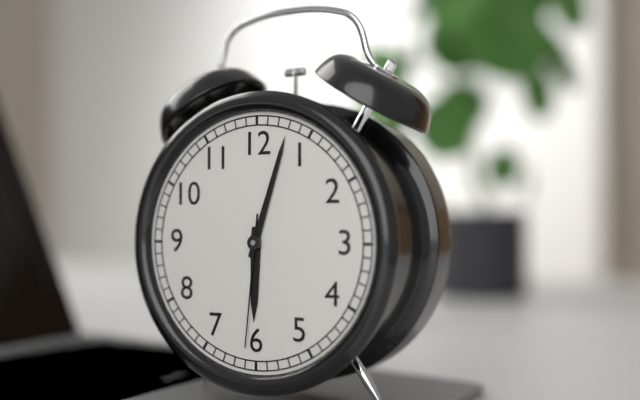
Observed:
{"hour": 6, "minute": 3, "second": 31}
